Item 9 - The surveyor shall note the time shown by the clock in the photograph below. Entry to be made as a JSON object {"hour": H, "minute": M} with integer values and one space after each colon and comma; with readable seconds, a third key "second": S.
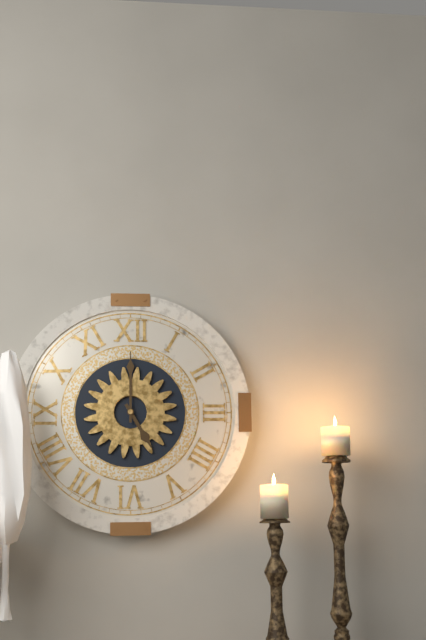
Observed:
{"hour": 5, "minute": 0}
